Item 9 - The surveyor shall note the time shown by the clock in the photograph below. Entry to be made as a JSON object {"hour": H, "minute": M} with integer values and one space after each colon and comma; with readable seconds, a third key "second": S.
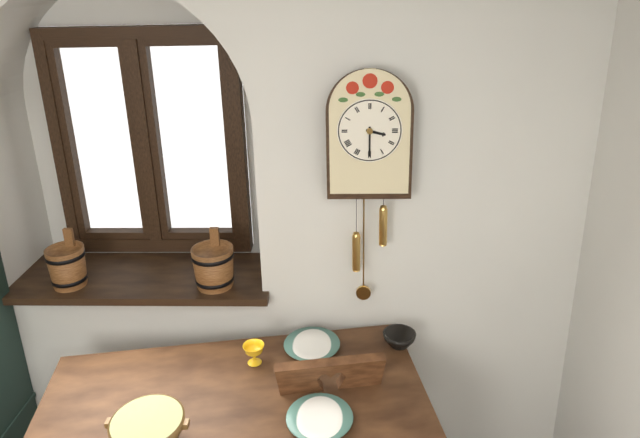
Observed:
{"hour": 3, "minute": 30}
